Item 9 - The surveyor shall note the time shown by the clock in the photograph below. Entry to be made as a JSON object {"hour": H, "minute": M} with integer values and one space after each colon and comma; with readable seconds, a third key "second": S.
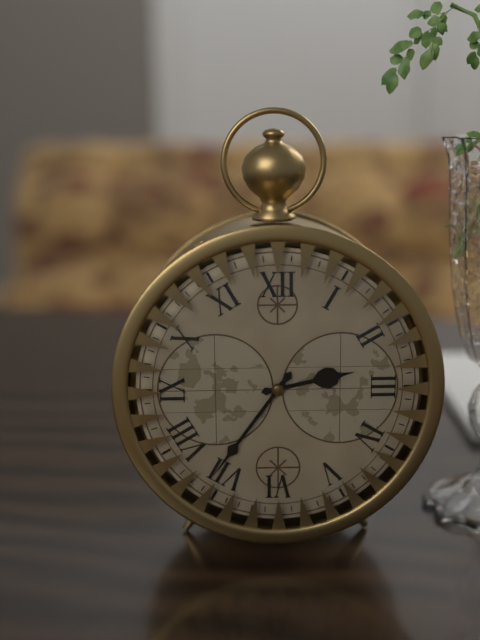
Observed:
{"hour": 2, "minute": 36}
